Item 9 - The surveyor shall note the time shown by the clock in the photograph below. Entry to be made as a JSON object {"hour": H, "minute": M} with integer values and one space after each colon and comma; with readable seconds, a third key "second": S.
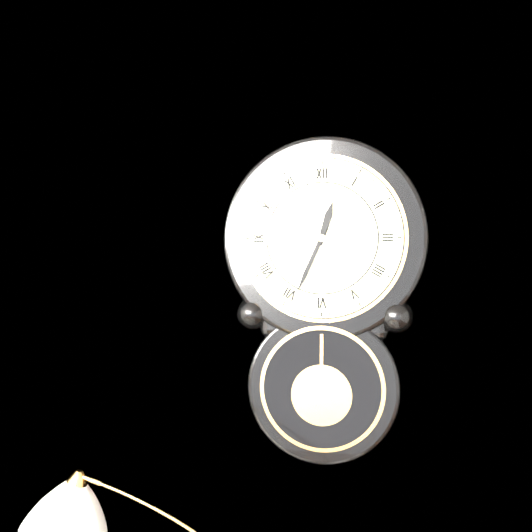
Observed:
{"hour": 12, "minute": 34}
